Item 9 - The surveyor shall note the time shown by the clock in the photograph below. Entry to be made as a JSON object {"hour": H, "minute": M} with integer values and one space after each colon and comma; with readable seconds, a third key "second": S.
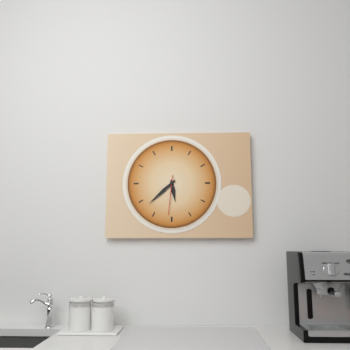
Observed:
{"hour": 5, "minute": 38}
